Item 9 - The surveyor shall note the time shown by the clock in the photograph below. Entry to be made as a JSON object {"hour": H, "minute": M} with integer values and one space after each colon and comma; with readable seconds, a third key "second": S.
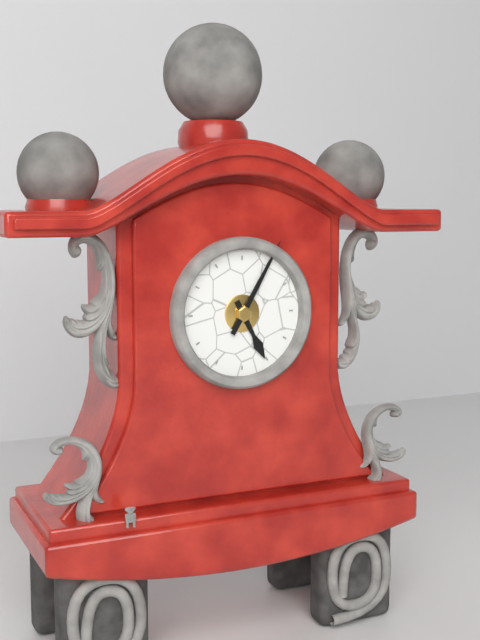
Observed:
{"hour": 5, "minute": 5}
